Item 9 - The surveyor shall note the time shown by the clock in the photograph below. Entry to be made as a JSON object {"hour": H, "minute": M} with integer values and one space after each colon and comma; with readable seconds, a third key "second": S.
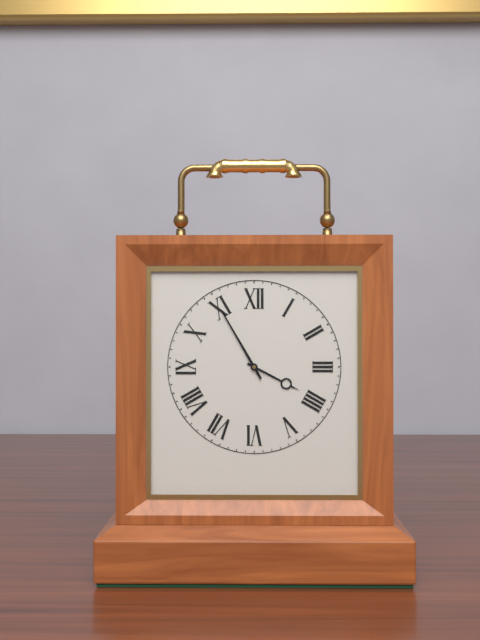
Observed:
{"hour": 3, "minute": 55}
